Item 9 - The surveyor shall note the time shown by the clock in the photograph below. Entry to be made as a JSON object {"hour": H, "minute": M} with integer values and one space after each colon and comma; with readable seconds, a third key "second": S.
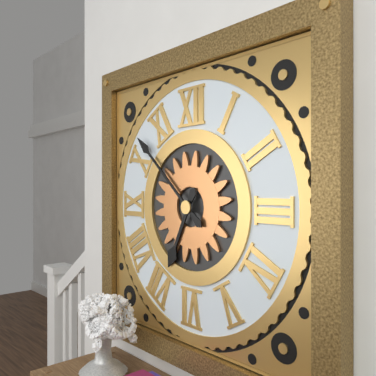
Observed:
{"hour": 6, "minute": 52}
